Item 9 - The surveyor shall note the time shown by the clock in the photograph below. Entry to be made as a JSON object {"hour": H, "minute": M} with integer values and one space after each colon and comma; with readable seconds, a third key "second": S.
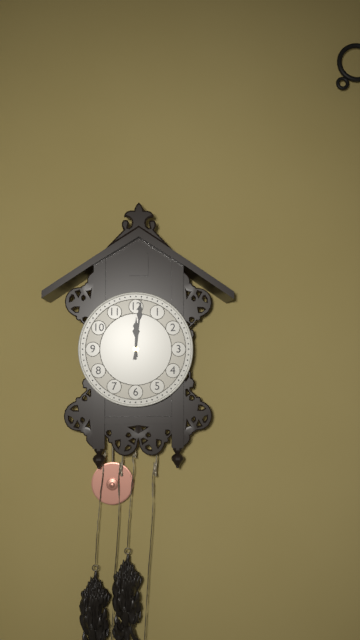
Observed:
{"hour": 12, "minute": 1}
